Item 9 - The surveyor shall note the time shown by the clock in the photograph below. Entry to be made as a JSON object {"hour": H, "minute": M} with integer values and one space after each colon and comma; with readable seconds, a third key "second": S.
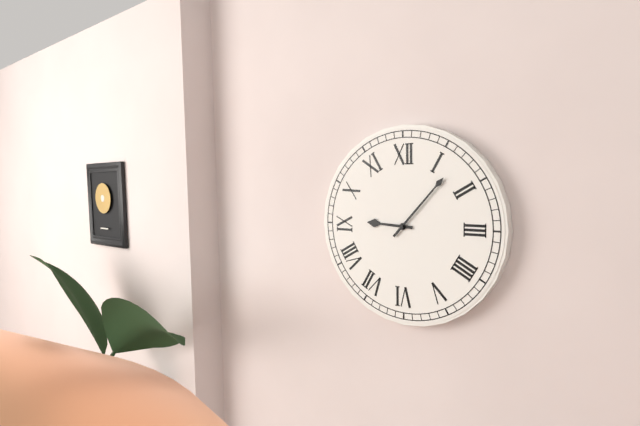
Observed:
{"hour": 9, "minute": 7}
